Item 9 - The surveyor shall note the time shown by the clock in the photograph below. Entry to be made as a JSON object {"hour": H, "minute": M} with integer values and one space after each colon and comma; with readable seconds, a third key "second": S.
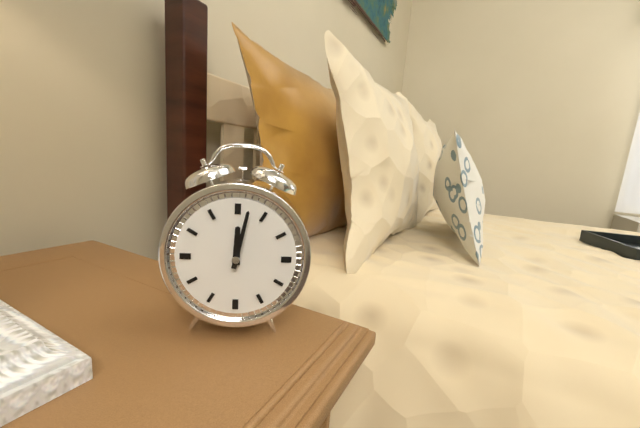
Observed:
{"hour": 12, "minute": 2}
